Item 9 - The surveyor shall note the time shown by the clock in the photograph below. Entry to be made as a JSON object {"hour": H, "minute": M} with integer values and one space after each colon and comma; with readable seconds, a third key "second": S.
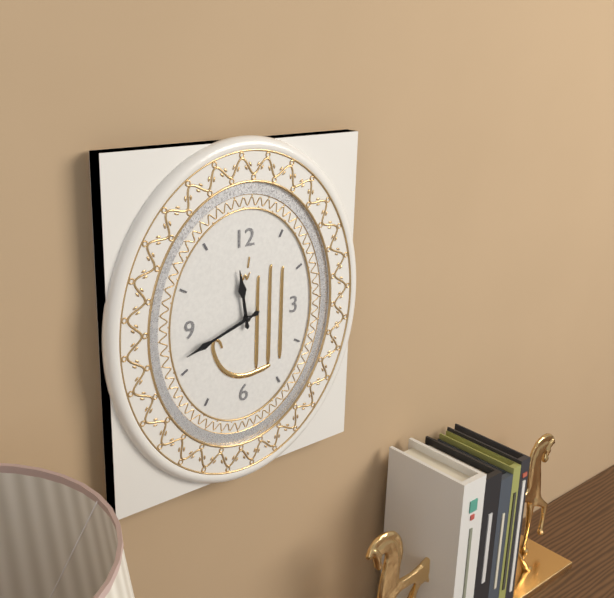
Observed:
{"hour": 11, "minute": 42}
